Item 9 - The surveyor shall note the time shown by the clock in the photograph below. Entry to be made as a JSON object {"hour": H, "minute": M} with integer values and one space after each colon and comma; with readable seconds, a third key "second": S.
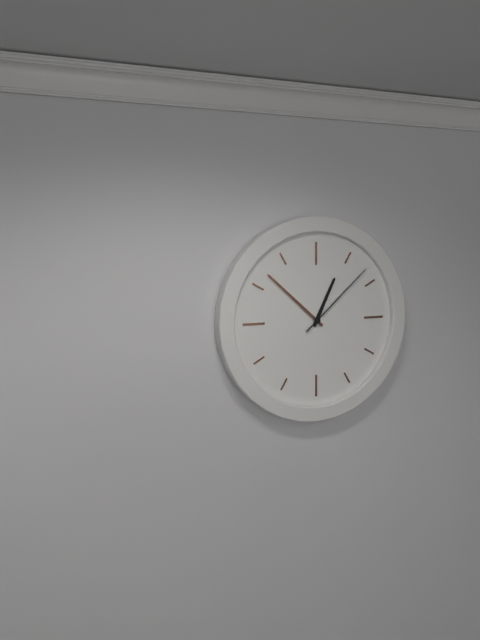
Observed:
{"hour": 12, "minute": 52, "second": 8}
